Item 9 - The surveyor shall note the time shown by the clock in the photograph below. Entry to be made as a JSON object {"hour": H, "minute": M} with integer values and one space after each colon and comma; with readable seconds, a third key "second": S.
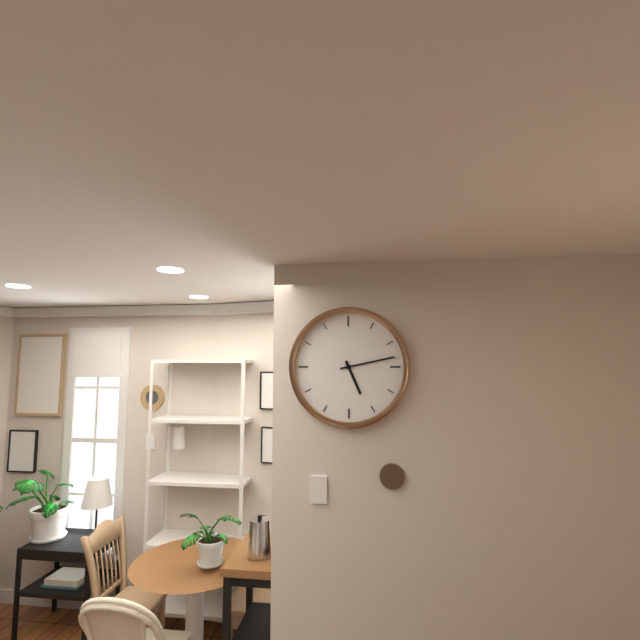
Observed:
{"hour": 5, "minute": 13}
